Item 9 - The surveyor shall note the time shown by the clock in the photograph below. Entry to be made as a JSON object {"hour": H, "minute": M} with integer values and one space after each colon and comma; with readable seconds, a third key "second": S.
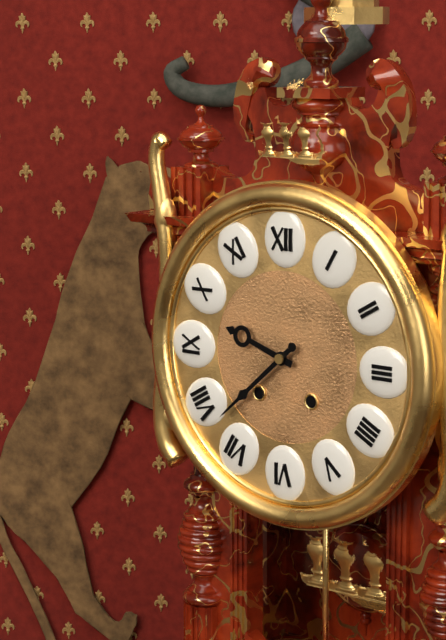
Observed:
{"hour": 9, "minute": 38}
